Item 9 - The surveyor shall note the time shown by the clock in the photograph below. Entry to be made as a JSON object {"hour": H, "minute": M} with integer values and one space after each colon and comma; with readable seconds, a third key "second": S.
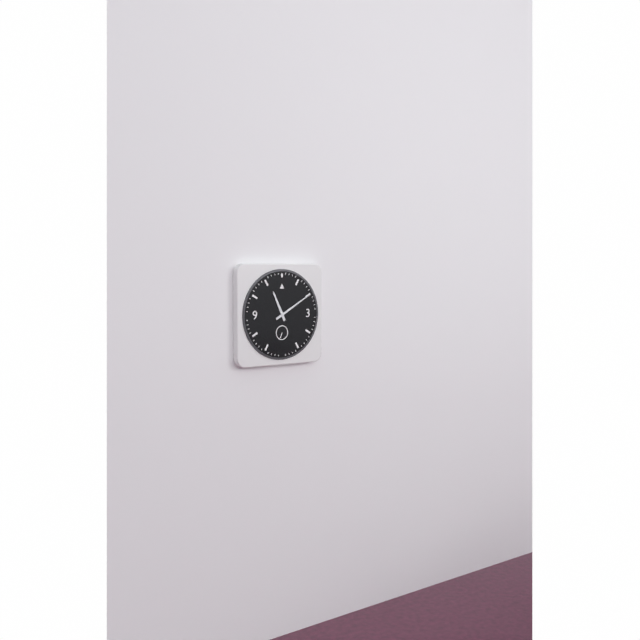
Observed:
{"hour": 11, "minute": 10}
